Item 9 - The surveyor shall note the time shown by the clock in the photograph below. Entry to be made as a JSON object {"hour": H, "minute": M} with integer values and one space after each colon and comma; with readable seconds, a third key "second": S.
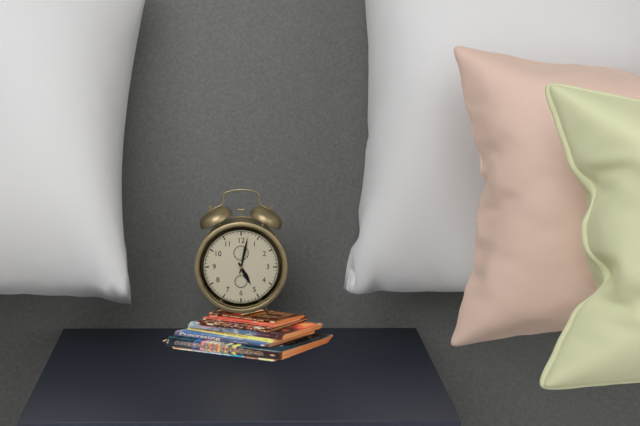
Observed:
{"hour": 5, "minute": 2}
